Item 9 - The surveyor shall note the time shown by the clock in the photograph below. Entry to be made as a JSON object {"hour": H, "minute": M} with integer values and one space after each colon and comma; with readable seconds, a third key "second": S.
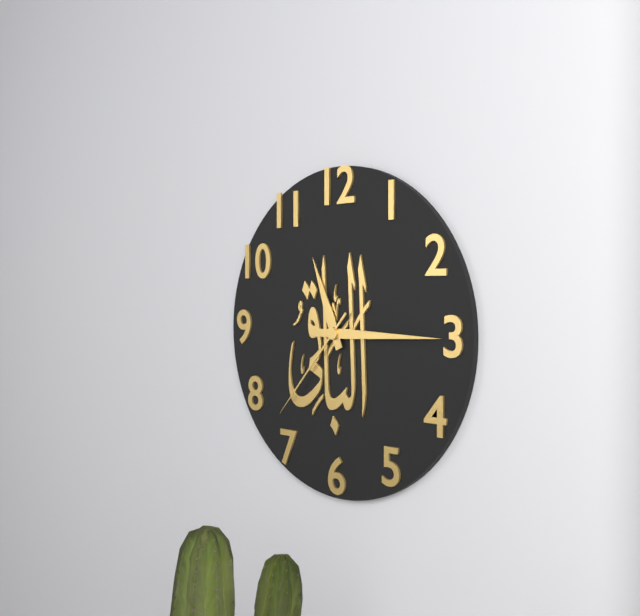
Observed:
{"hour": 11, "minute": 15, "second": 37}
